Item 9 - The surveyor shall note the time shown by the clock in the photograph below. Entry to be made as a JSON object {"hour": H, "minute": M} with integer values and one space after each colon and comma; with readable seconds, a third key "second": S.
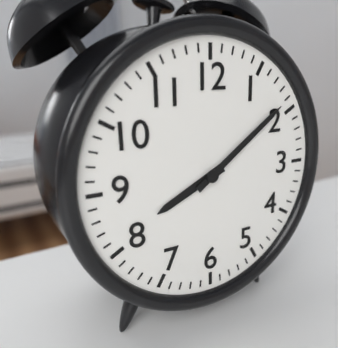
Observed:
{"hour": 8, "minute": 9}
